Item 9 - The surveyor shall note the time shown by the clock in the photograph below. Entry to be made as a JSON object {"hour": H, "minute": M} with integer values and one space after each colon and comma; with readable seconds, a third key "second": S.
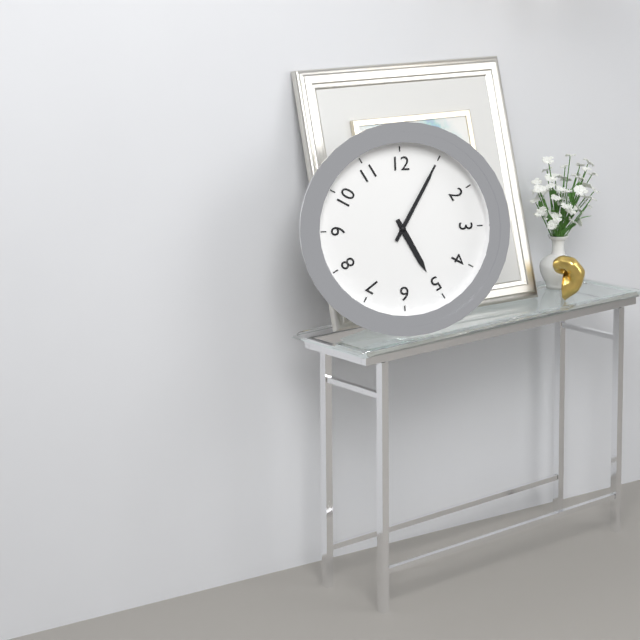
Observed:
{"hour": 5, "minute": 5}
